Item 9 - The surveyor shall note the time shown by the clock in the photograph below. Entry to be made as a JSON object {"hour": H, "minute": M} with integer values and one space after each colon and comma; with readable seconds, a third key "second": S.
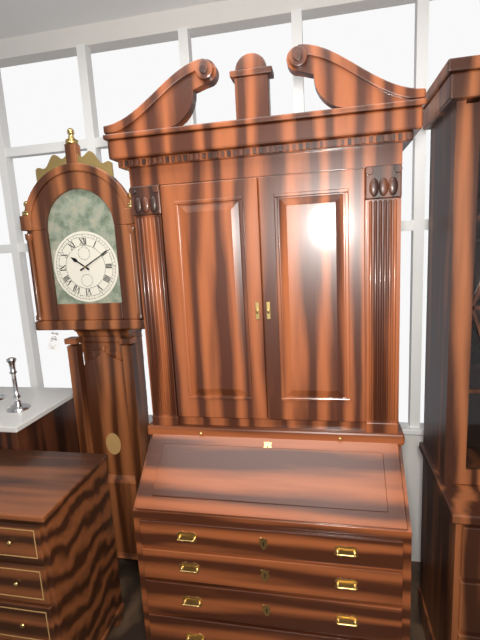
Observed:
{"hour": 10, "minute": 10}
